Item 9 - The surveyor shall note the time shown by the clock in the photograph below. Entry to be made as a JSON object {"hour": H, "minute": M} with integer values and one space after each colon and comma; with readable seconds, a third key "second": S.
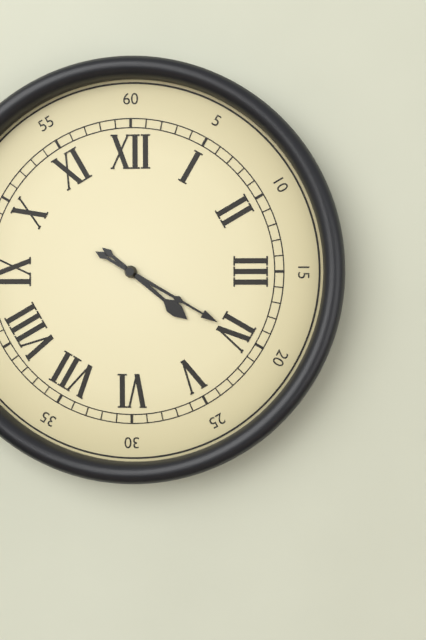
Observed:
{"hour": 4, "minute": 20}
